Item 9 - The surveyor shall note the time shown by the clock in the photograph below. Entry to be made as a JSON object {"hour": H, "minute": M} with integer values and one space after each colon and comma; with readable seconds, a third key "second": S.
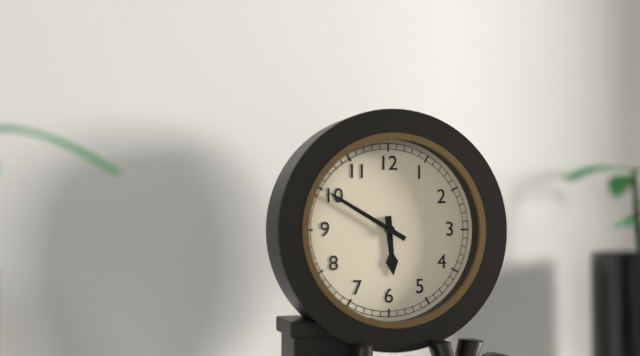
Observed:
{"hour": 5, "minute": 50}
